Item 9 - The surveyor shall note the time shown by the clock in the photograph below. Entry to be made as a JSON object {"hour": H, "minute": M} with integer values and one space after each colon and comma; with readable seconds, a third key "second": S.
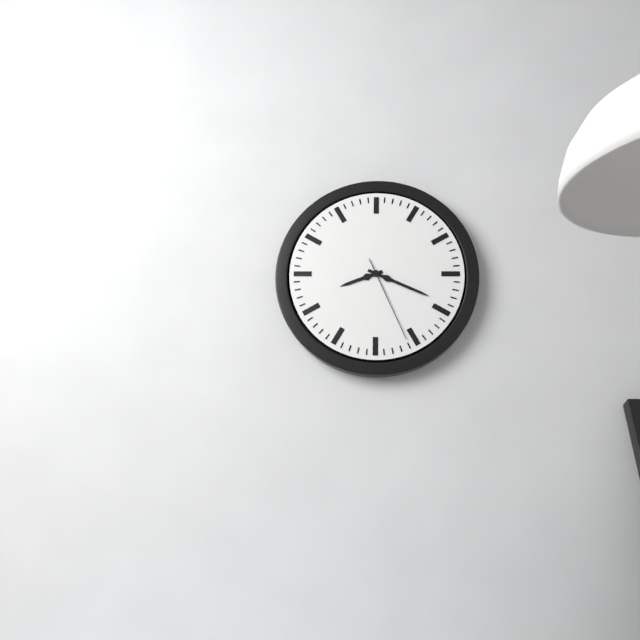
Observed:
{"hour": 8, "minute": 19, "second": 26}
